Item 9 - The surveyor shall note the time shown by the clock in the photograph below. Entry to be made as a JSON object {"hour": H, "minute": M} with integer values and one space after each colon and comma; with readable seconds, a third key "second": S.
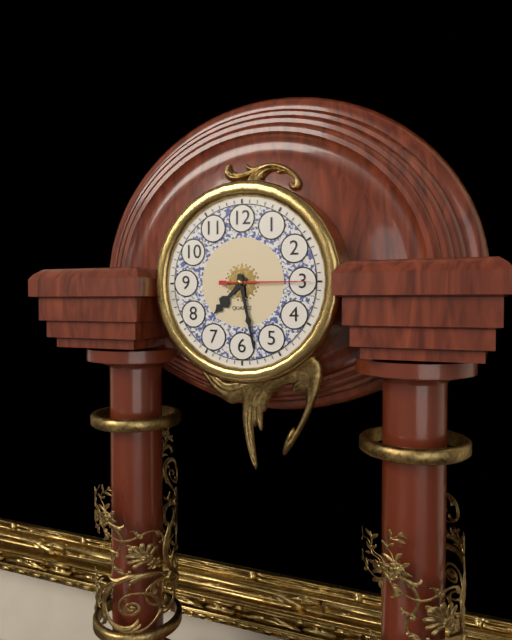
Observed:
{"hour": 7, "minute": 28, "second": 15}
